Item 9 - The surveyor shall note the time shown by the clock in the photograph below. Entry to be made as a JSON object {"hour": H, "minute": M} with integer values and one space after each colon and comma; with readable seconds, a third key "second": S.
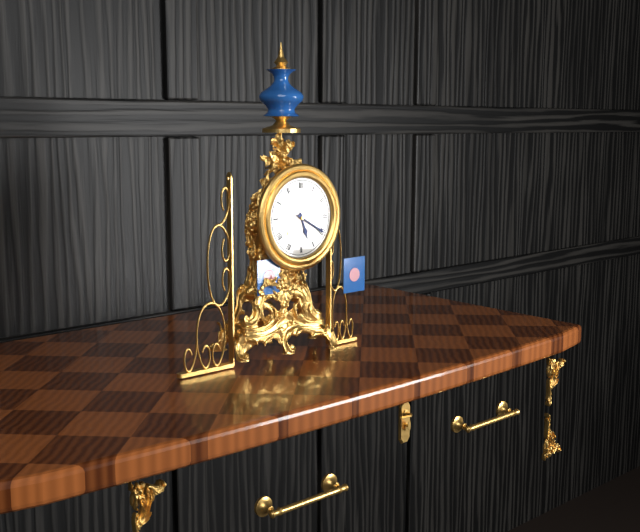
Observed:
{"hour": 5, "minute": 20}
